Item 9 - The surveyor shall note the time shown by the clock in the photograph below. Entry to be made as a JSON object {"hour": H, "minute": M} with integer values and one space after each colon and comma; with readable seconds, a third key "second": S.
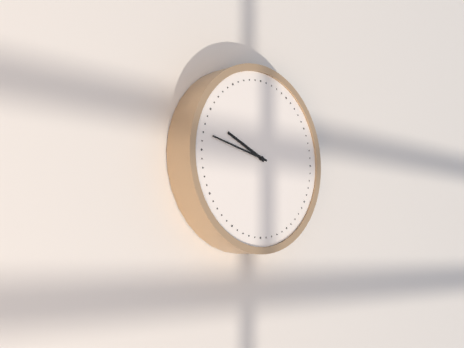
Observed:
{"hour": 9, "minute": 47}
